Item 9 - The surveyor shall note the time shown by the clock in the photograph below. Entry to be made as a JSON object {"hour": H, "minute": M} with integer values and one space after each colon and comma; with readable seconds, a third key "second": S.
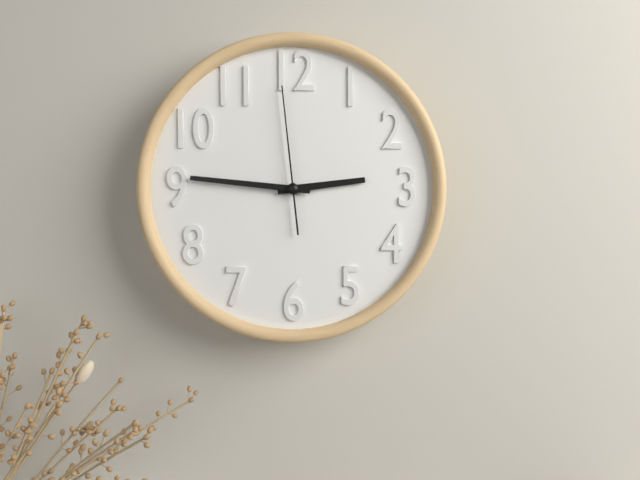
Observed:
{"hour": 2, "minute": 46, "second": 59}
